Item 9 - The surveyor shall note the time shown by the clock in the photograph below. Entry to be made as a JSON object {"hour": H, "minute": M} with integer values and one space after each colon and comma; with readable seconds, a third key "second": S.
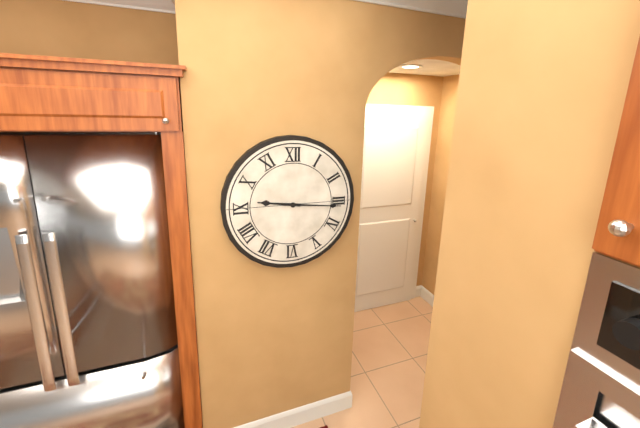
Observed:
{"hour": 9, "minute": 16}
